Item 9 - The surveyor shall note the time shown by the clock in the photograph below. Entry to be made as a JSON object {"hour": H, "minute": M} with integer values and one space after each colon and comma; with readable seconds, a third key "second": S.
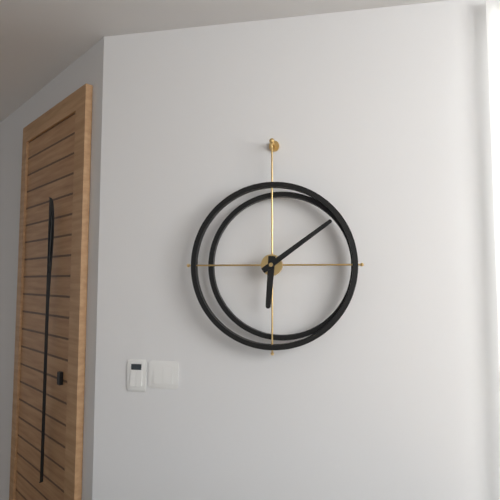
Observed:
{"hour": 6, "minute": 9}
